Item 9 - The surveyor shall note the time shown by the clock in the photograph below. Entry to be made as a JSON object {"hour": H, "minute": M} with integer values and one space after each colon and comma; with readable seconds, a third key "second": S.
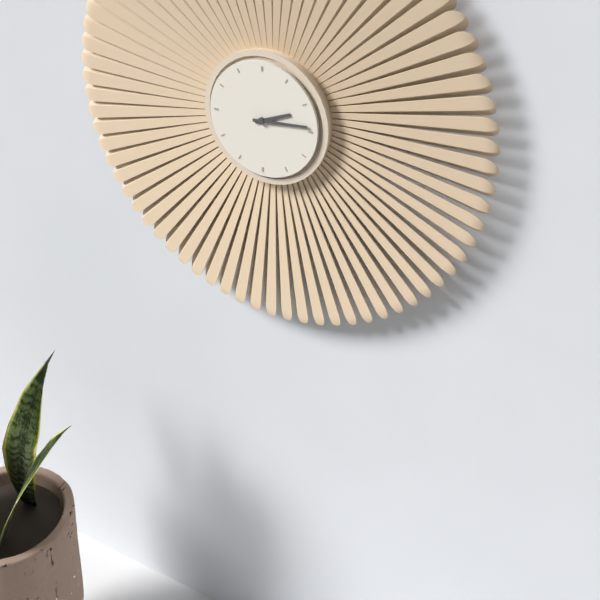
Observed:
{"hour": 2, "minute": 14}
